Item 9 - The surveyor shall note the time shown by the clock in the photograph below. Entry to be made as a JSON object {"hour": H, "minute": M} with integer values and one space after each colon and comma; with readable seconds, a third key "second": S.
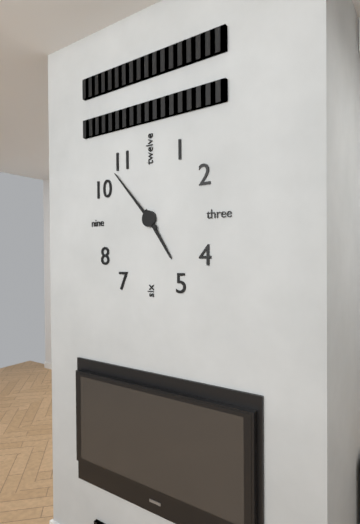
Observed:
{"hour": 4, "minute": 53}
